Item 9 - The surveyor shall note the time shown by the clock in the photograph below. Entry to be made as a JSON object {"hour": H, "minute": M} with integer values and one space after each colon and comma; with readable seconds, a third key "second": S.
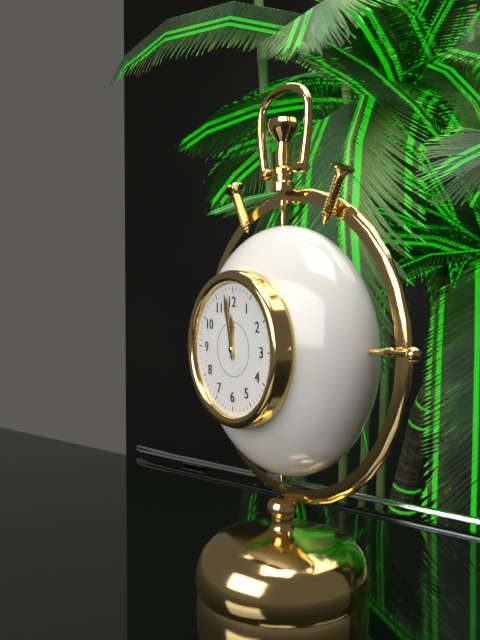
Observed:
{"hour": 11, "minute": 58}
